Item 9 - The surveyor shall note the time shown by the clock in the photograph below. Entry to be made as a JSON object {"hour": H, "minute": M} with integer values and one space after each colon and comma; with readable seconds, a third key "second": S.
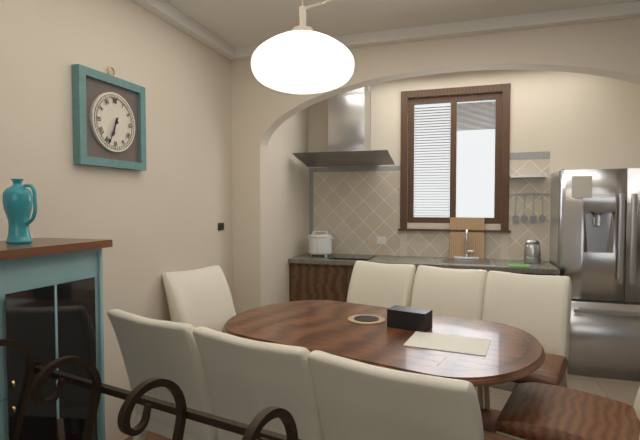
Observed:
{"hour": 6, "minute": 34}
